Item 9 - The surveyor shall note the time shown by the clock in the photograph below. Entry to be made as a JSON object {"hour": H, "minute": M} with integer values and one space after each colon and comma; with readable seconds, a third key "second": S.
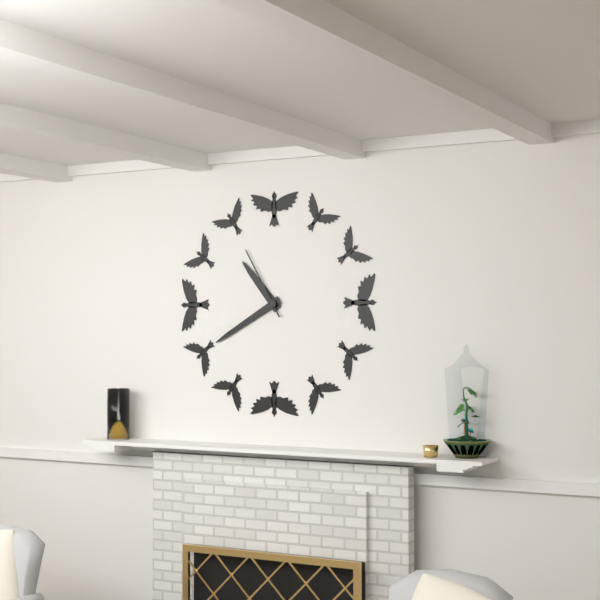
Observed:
{"hour": 10, "minute": 40, "second": 55}
